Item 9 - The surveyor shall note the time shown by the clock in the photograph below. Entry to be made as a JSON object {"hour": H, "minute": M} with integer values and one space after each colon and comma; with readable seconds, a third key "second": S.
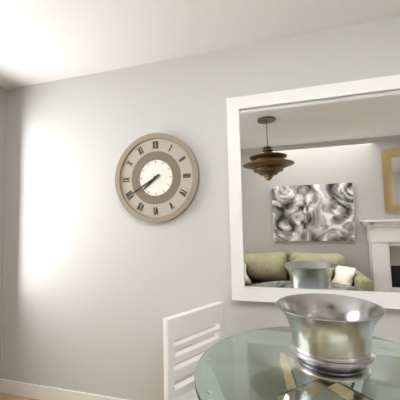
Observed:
{"hour": 7, "minute": 40}
